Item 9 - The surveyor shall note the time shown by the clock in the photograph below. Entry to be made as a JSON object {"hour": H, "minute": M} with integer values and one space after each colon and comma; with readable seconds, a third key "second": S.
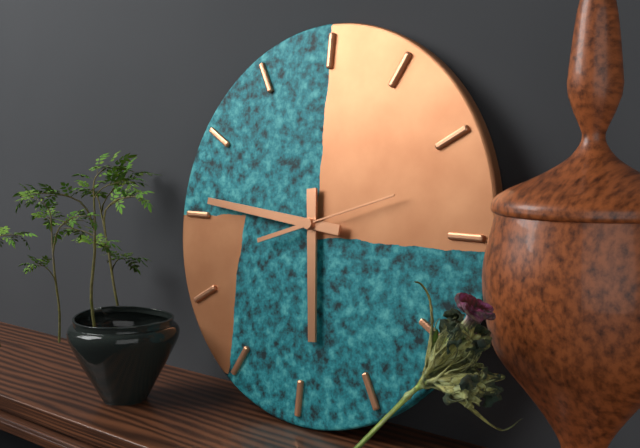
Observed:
{"hour": 5, "minute": 46, "second": 12}
